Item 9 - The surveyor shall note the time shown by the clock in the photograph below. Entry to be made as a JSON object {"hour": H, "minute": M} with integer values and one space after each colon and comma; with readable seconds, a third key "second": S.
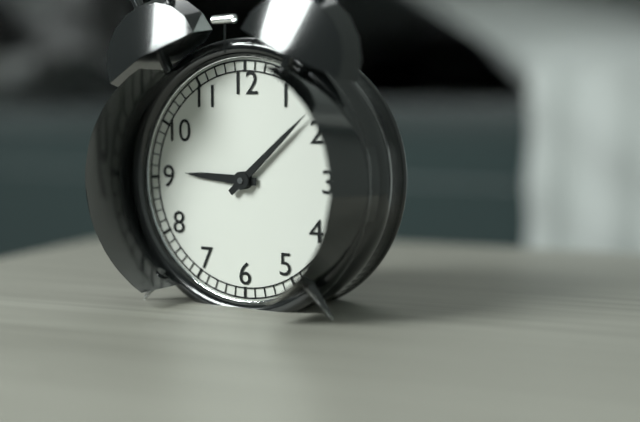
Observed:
{"hour": 9, "minute": 8}
